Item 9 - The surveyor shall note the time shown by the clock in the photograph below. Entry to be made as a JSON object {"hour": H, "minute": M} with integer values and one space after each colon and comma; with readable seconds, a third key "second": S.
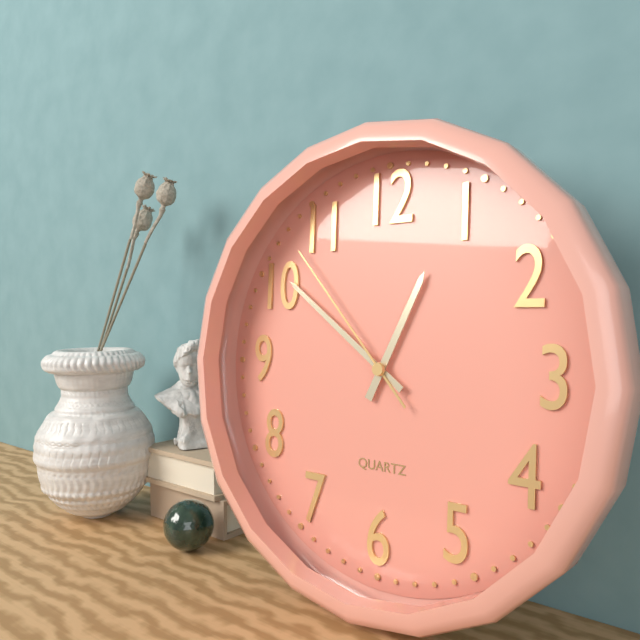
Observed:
{"hour": 12, "minute": 51, "second": 53}
